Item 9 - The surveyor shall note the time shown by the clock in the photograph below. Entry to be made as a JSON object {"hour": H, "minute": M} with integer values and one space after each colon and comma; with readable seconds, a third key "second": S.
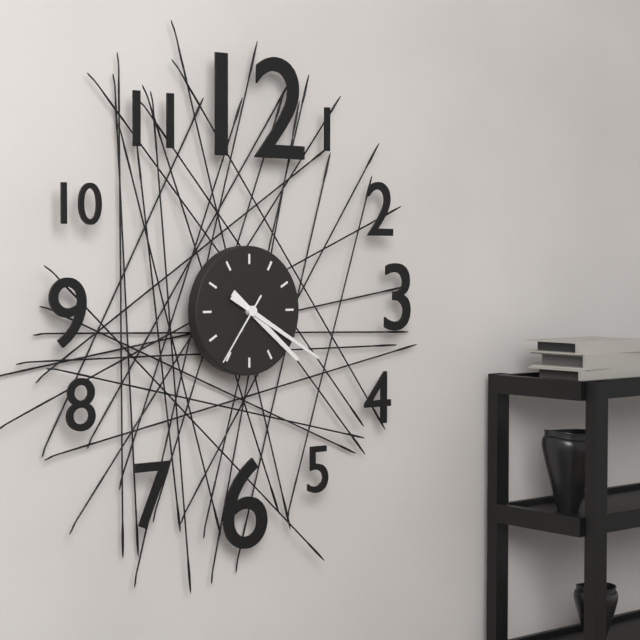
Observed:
{"hour": 4, "minute": 20, "second": 36}
